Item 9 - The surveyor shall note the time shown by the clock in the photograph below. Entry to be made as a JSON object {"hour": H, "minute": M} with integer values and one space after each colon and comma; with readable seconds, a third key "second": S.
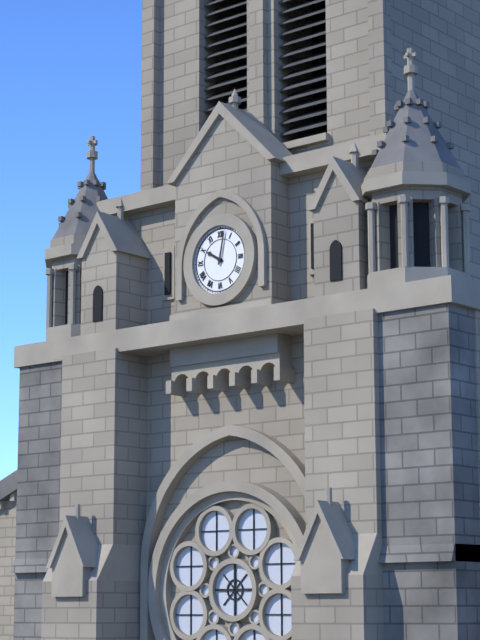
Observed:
{"hour": 10, "minute": 2}
